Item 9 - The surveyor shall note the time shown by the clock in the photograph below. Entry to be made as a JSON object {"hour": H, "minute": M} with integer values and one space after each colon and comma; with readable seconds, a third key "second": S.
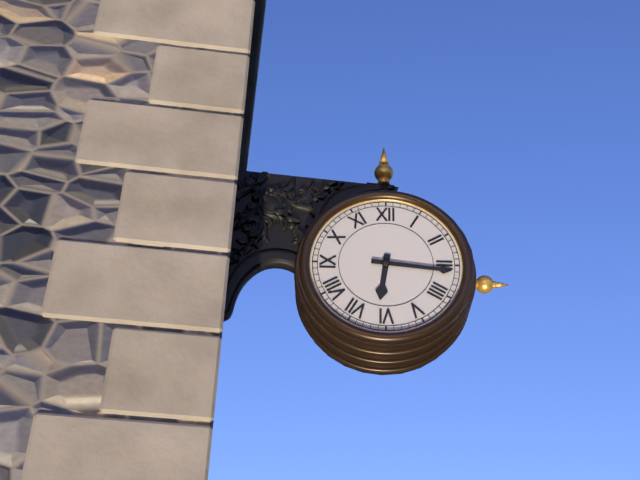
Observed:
{"hour": 6, "minute": 16}
